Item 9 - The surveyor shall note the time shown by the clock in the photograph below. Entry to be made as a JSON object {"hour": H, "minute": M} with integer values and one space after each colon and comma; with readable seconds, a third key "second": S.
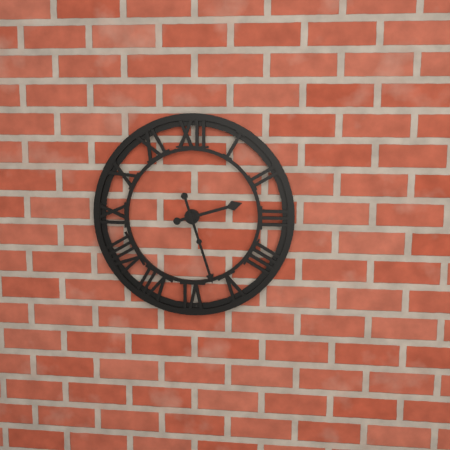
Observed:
{"hour": 2, "minute": 27}
